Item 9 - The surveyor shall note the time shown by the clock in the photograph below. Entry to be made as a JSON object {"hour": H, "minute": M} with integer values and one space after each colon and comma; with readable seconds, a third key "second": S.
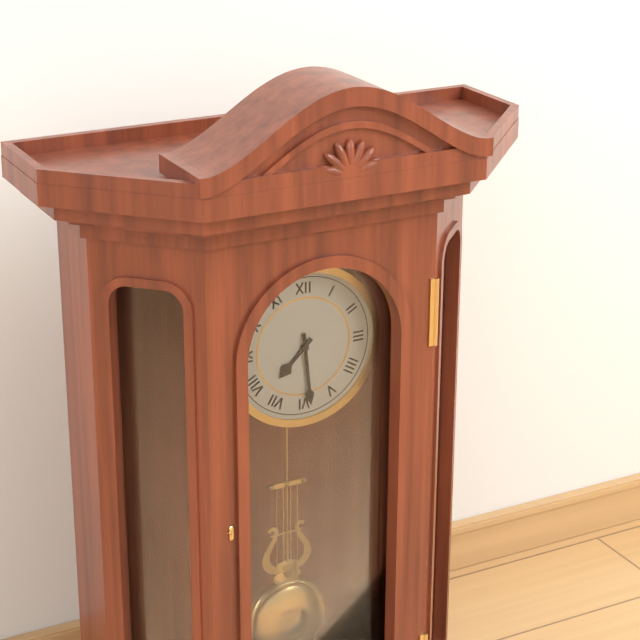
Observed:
{"hour": 7, "minute": 29}
